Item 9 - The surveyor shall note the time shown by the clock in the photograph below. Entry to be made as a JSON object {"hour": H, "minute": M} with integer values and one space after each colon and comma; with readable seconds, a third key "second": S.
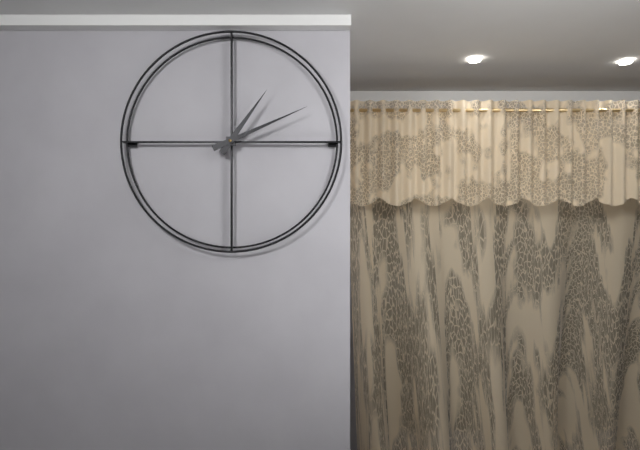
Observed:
{"hour": 1, "minute": 11}
